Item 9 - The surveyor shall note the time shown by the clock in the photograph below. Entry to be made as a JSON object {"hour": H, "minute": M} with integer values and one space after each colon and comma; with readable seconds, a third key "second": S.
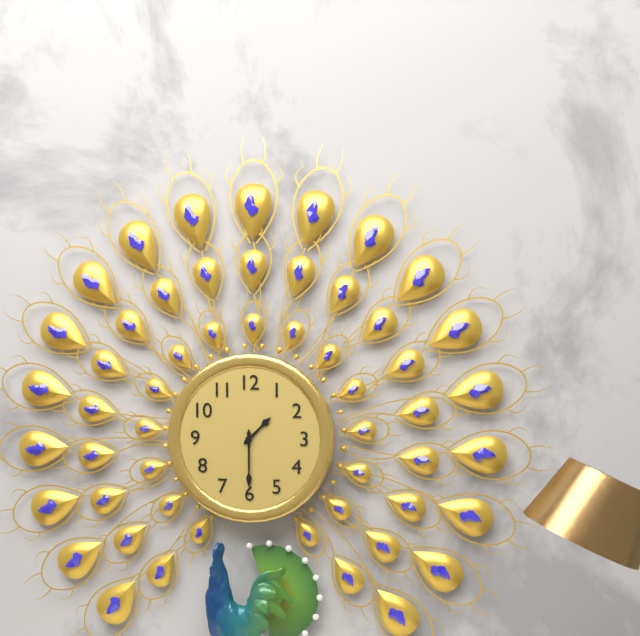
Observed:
{"hour": 1, "minute": 30}
